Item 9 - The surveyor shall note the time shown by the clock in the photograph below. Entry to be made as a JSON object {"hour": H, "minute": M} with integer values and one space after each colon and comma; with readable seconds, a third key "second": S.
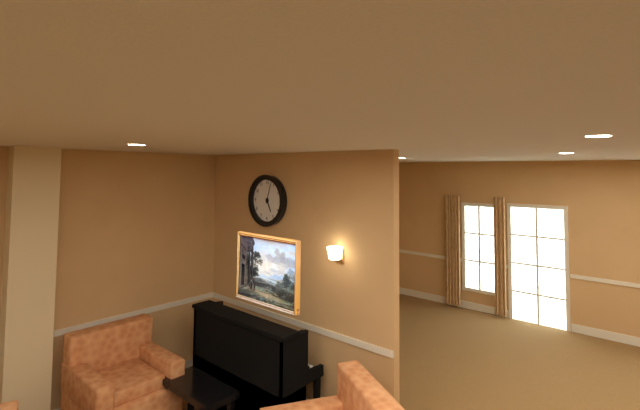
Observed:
{"hour": 5, "minute": 3}
